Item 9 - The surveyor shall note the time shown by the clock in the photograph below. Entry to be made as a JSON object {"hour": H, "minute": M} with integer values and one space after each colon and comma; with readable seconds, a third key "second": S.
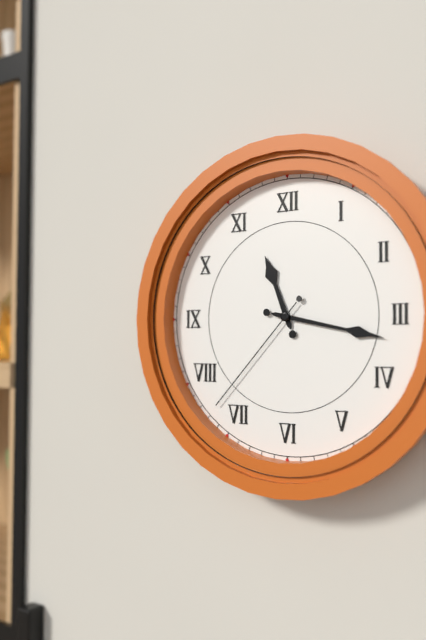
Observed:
{"hour": 11, "minute": 17, "second": 37}
